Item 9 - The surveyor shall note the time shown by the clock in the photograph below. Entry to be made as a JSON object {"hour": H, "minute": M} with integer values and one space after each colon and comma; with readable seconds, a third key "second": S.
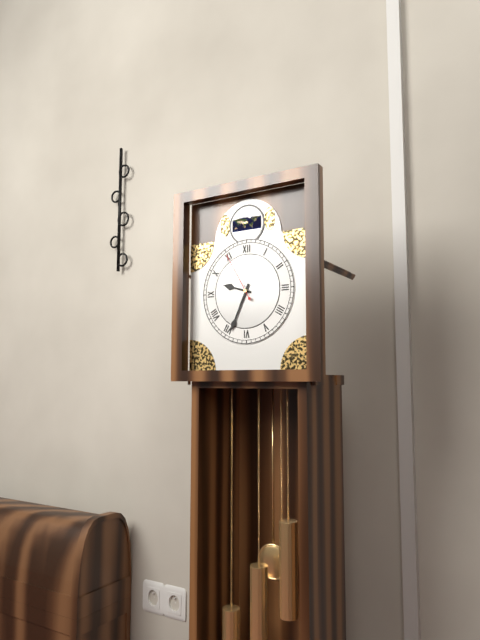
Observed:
{"hour": 9, "minute": 34, "second": 55}
